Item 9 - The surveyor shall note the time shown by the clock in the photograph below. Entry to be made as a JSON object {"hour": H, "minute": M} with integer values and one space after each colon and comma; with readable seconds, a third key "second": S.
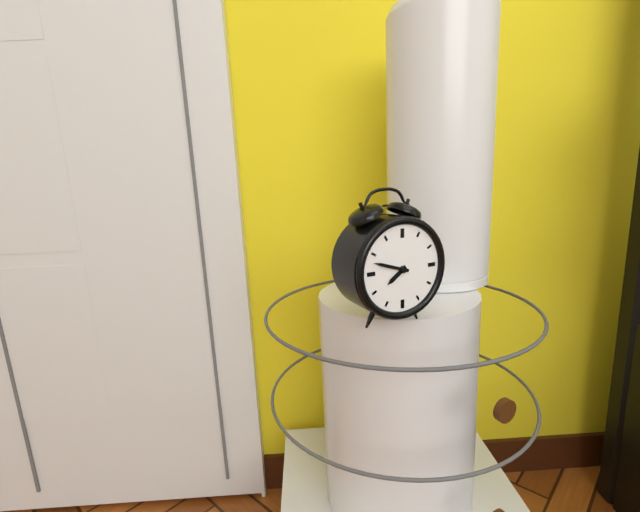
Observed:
{"hour": 7, "minute": 48}
